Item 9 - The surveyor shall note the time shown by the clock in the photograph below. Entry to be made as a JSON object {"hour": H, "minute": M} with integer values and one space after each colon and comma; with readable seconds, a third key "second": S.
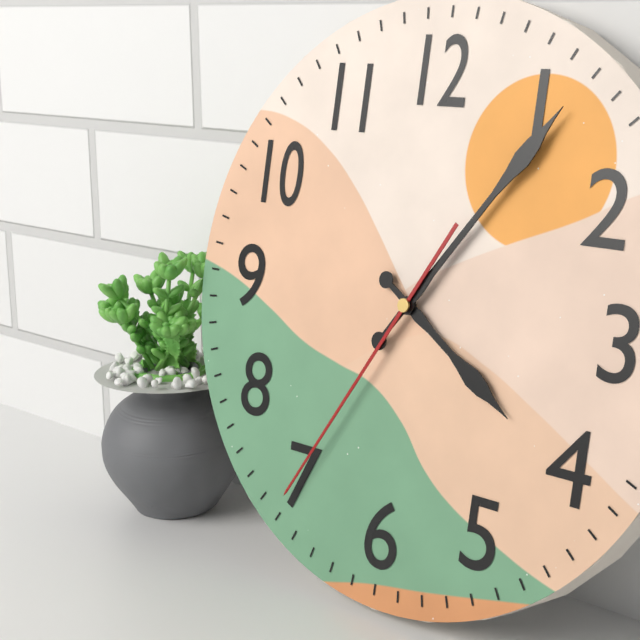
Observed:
{"hour": 4, "minute": 6, "second": 35}
